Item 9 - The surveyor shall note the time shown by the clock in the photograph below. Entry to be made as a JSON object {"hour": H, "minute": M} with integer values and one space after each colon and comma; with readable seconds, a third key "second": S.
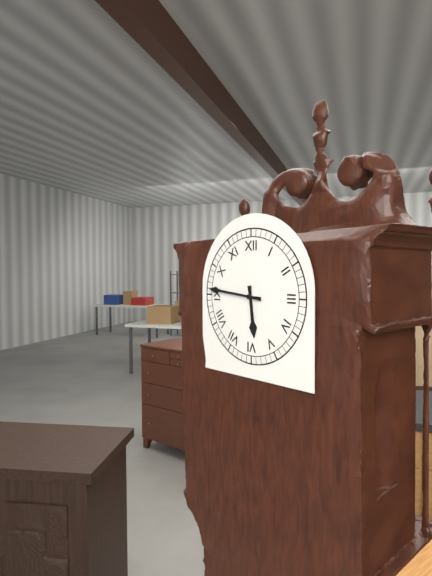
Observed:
{"hour": 5, "minute": 46}
